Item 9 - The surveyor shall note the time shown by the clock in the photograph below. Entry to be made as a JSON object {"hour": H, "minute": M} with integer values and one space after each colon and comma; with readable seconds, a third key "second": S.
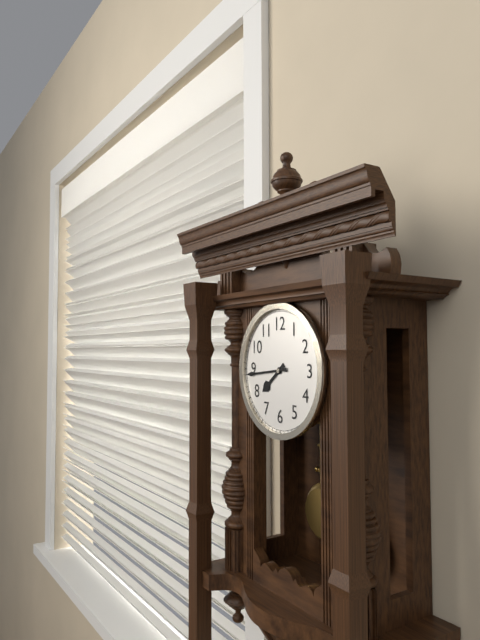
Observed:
{"hour": 7, "minute": 44}
